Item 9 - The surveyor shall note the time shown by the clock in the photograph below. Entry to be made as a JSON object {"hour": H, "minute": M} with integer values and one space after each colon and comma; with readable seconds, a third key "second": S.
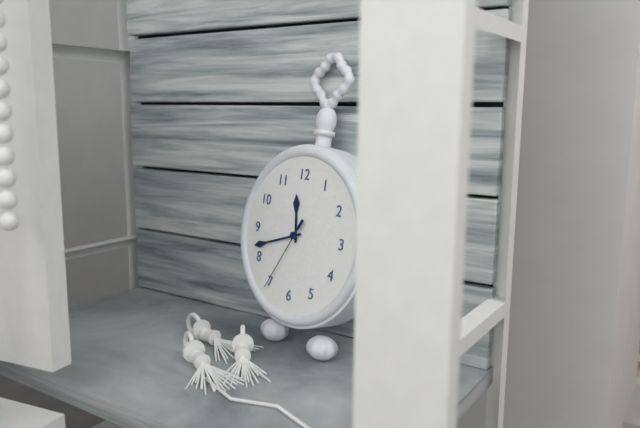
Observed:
{"hour": 11, "minute": 42, "second": 35}
